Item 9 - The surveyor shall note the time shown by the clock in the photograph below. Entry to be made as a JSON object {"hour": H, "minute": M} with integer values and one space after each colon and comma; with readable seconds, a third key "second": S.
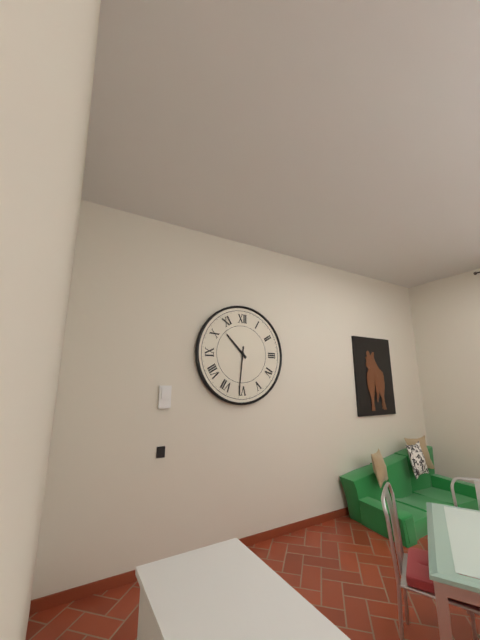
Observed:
{"hour": 10, "minute": 31}
